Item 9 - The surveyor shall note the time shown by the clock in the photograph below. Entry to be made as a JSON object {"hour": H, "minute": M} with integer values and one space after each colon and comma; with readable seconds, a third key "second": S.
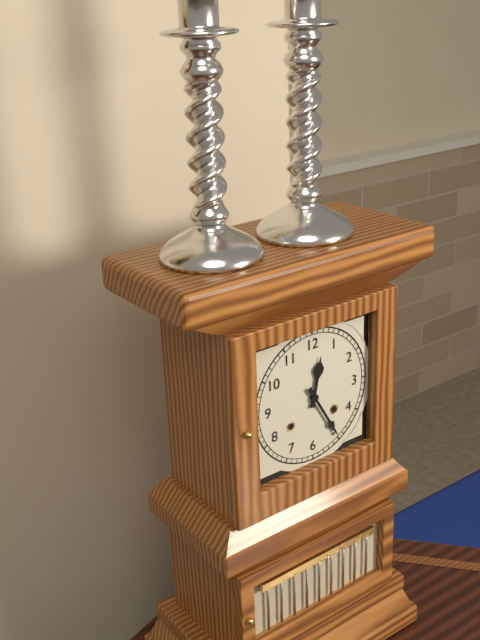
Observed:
{"hour": 12, "minute": 25}
